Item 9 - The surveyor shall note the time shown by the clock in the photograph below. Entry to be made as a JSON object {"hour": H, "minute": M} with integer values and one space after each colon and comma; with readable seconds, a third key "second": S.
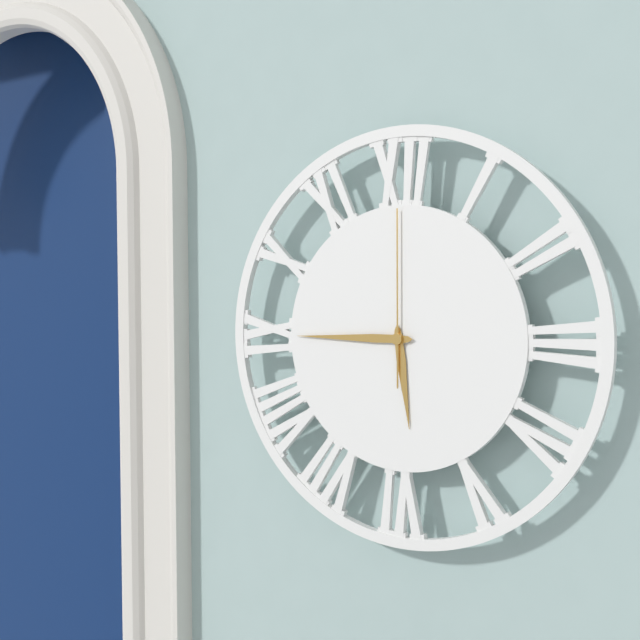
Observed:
{"hour": 5, "minute": 45, "second": 0}
